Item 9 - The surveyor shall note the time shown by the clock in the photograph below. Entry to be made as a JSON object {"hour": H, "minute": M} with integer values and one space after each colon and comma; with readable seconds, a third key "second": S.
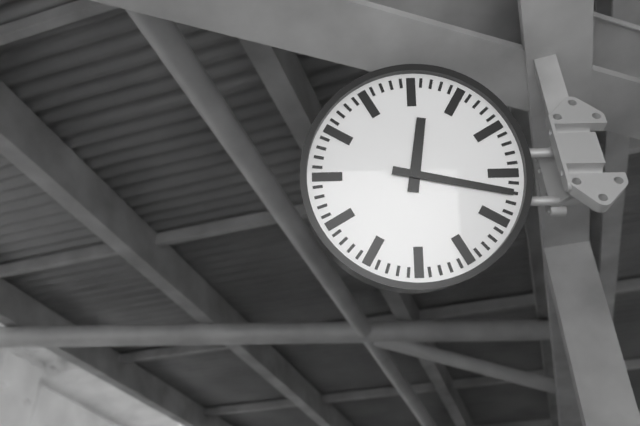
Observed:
{"hour": 12, "minute": 17}
